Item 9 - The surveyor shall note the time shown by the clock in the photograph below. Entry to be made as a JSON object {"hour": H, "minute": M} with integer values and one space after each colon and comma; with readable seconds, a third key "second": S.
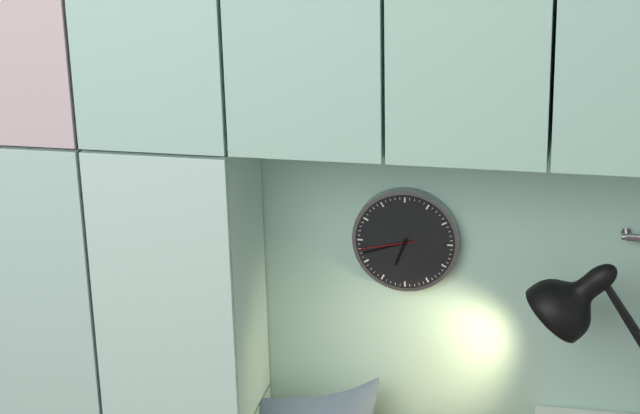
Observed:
{"hour": 6, "minute": 42, "second": 43}
